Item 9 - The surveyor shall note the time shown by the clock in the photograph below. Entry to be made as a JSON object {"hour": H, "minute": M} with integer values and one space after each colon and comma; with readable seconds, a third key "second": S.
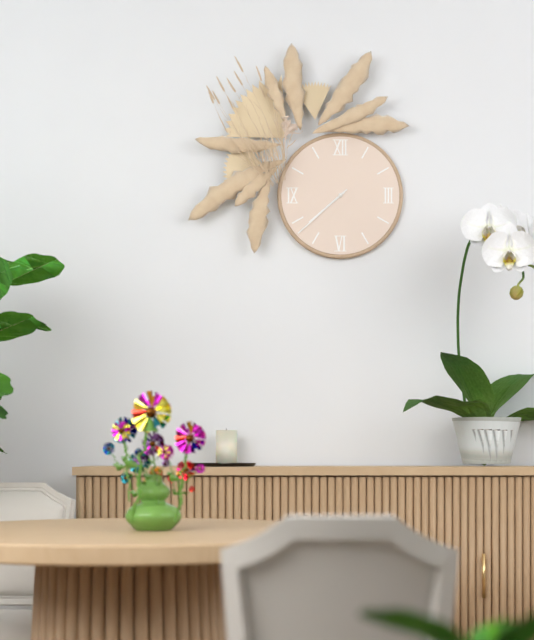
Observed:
{"hour": 7, "minute": 38}
